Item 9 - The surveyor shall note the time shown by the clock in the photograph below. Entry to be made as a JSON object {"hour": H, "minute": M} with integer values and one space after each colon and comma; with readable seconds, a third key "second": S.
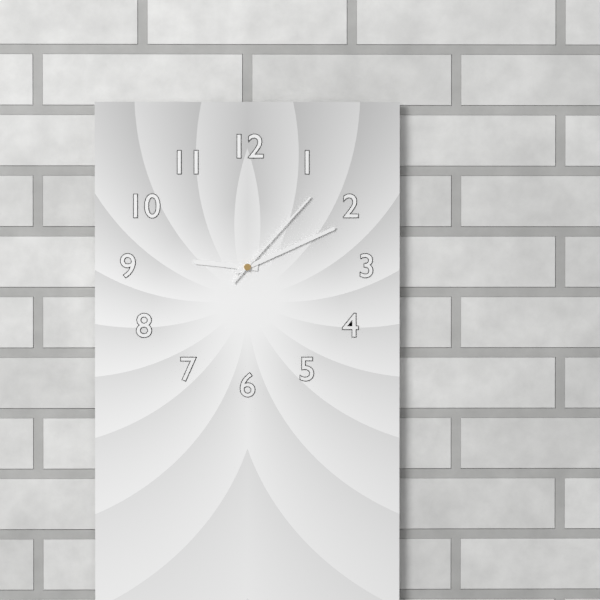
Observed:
{"hour": 9, "minute": 11, "second": 7}
